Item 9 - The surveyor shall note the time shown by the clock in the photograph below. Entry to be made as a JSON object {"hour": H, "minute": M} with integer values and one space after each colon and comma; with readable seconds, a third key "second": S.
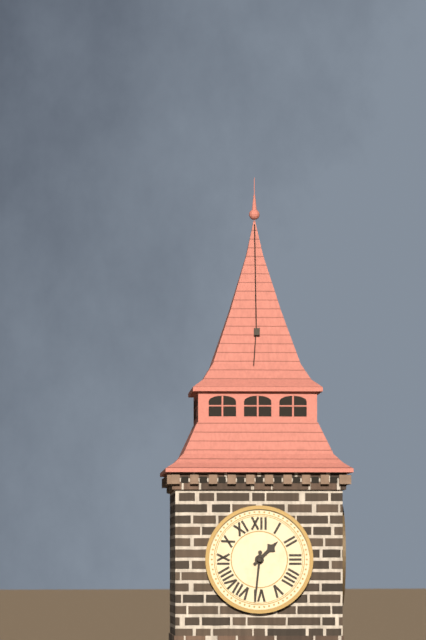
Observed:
{"hour": 1, "minute": 31}
